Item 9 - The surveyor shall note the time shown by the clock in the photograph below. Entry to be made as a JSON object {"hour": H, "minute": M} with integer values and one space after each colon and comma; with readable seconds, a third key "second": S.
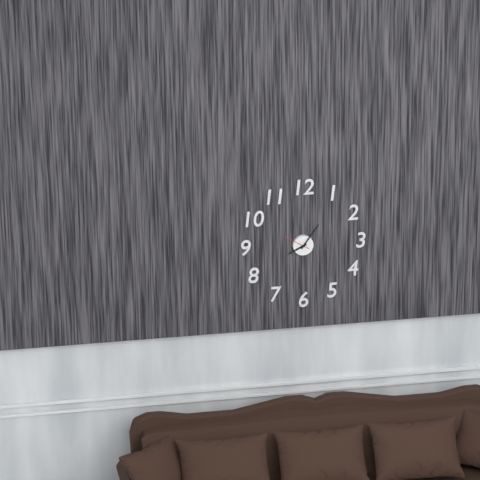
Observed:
{"hour": 8, "minute": 6}
